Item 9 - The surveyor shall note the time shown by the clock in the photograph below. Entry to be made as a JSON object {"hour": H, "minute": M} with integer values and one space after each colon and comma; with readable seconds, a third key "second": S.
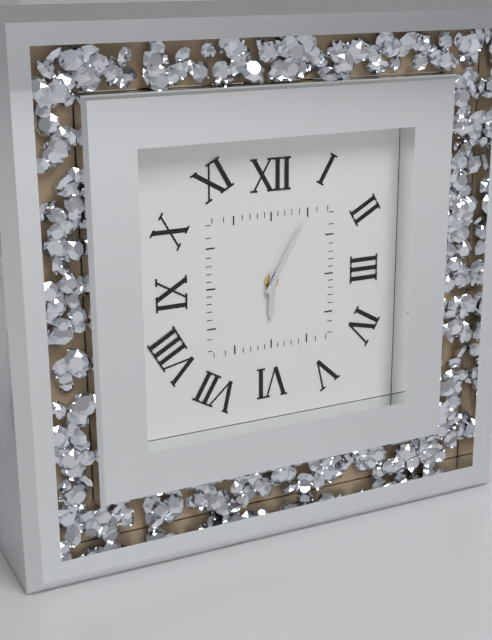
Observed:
{"hour": 6, "minute": 5}
